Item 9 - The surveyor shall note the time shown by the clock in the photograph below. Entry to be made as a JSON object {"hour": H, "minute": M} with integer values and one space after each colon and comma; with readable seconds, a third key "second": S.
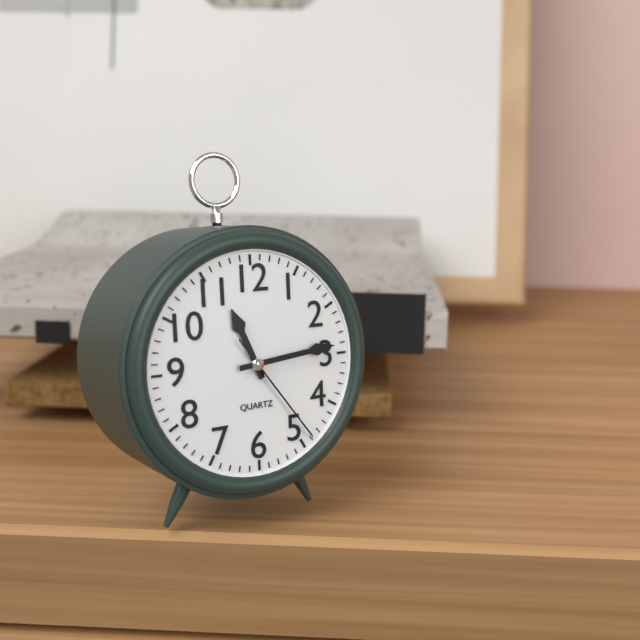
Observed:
{"hour": 11, "minute": 14, "second": 24}
